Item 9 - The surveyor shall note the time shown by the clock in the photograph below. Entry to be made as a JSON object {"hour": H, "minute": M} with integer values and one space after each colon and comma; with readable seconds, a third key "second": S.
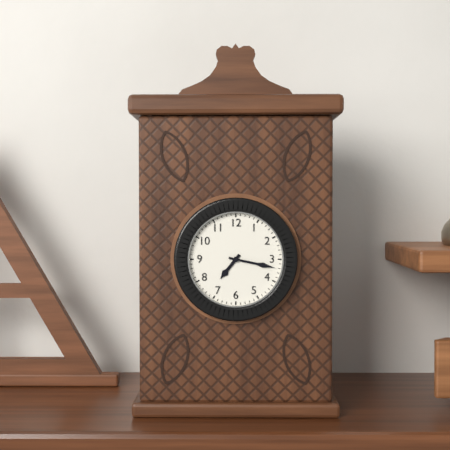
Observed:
{"hour": 7, "minute": 17}
